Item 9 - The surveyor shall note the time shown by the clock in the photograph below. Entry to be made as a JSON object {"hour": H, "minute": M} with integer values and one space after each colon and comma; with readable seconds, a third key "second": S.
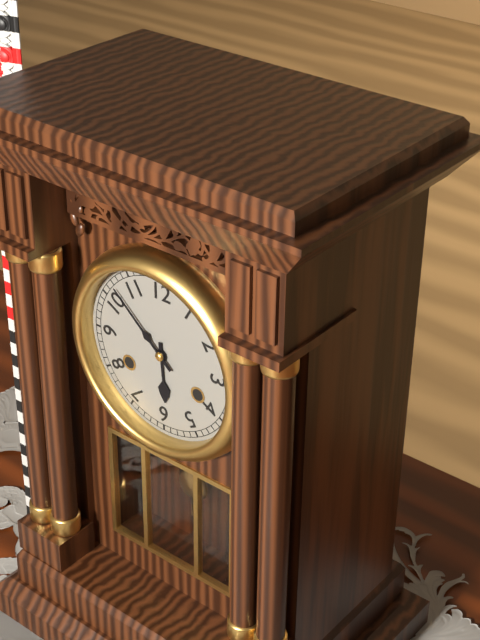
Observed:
{"hour": 5, "minute": 52}
